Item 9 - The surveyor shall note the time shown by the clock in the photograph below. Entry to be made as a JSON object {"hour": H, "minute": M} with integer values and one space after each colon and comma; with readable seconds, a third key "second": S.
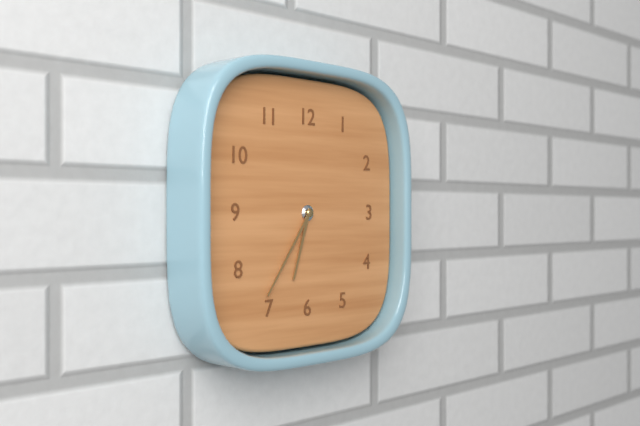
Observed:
{"hour": 6, "minute": 36}
